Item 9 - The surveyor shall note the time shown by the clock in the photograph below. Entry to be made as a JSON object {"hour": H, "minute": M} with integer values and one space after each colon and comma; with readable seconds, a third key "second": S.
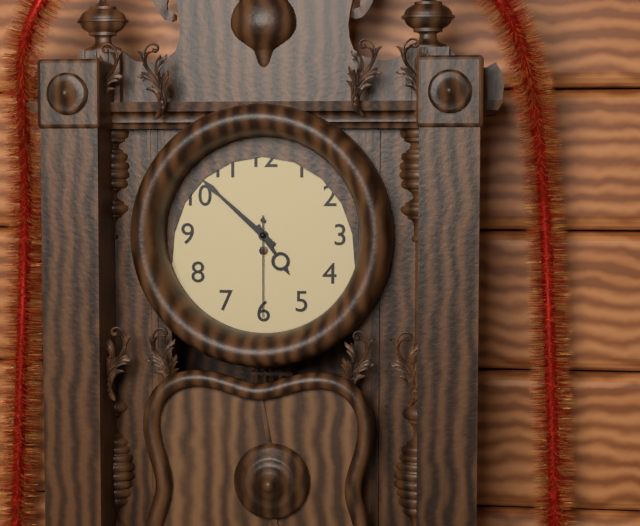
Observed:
{"hour": 4, "minute": 52, "second": 30}
